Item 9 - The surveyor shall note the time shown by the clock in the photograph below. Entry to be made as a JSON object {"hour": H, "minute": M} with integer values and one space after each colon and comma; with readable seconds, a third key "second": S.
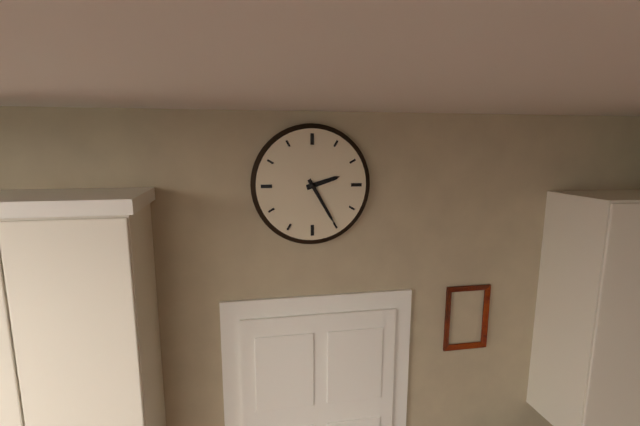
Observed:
{"hour": 2, "minute": 25}
